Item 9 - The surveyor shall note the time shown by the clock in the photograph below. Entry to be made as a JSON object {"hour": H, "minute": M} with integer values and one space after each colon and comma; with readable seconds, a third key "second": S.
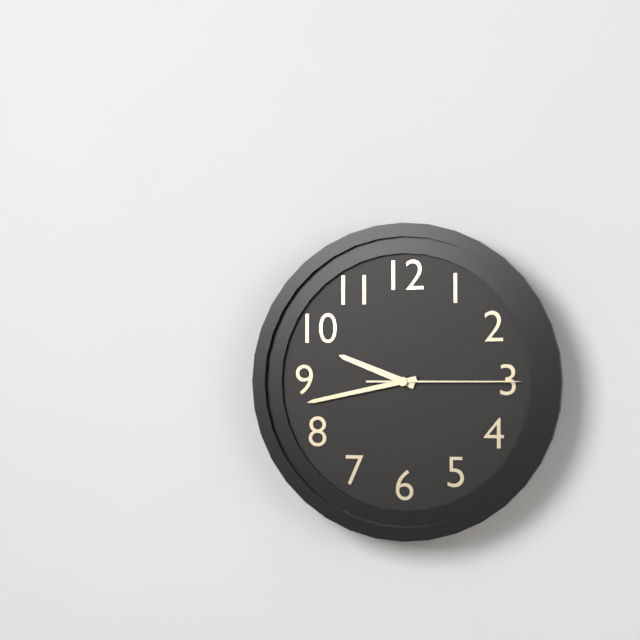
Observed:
{"hour": 9, "minute": 43, "second": 15}
